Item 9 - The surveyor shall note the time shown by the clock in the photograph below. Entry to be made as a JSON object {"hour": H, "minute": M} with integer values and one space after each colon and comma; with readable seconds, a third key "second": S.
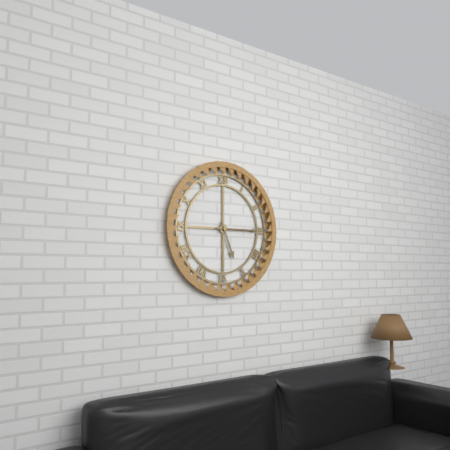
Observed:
{"hour": 5, "minute": 15}
